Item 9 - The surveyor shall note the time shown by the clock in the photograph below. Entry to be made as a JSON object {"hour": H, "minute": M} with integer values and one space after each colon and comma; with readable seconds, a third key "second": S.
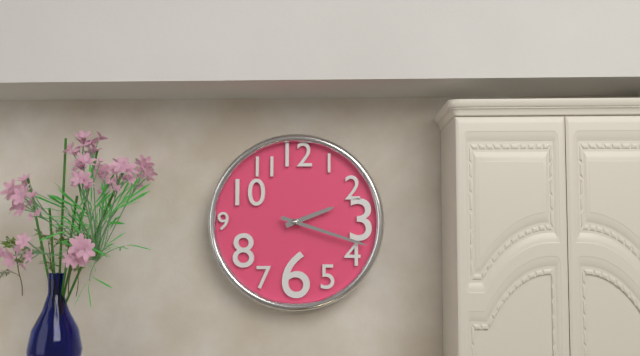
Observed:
{"hour": 2, "minute": 18}
